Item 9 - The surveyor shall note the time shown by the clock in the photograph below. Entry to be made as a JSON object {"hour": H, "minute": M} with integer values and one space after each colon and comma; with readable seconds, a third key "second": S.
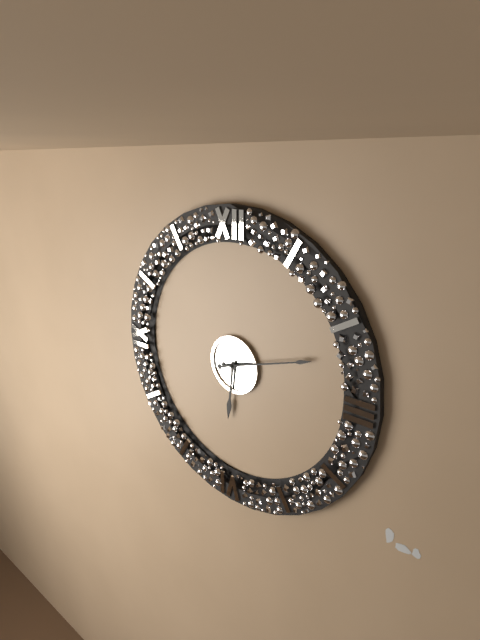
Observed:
{"hour": 6, "minute": 12}
